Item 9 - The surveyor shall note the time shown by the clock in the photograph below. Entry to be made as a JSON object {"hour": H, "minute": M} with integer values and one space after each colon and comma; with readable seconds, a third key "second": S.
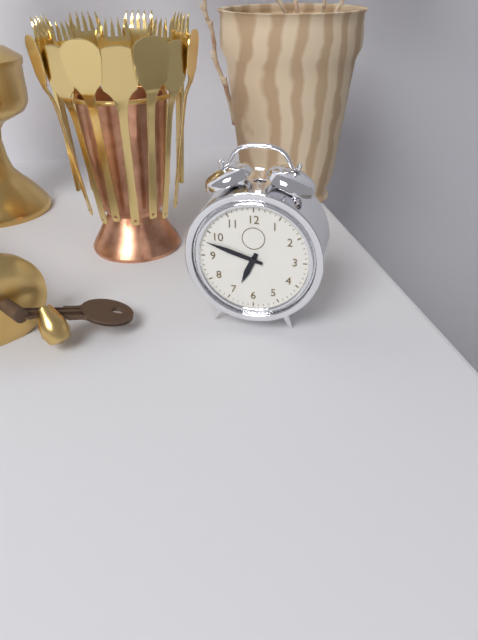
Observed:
{"hour": 6, "minute": 48}
